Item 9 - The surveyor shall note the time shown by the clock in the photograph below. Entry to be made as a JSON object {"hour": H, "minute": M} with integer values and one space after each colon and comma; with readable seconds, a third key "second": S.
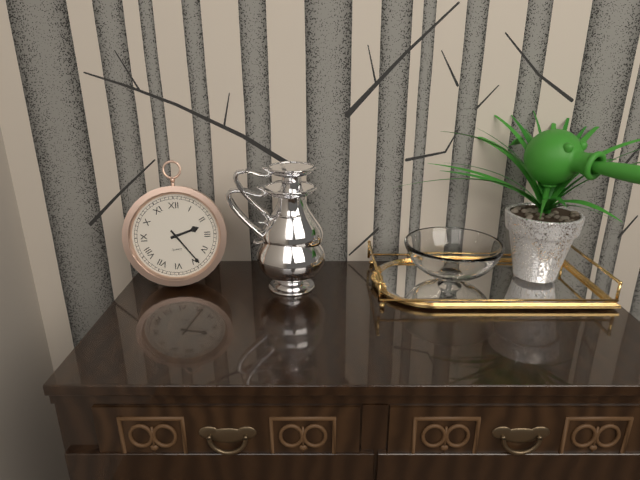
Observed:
{"hour": 2, "minute": 24}
